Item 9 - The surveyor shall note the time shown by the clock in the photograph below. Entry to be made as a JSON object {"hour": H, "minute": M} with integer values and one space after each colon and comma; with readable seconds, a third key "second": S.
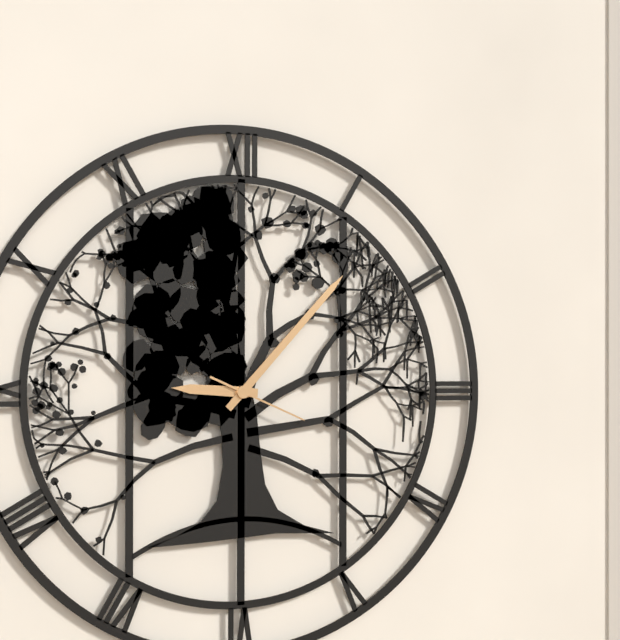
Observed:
{"hour": 9, "minute": 7, "second": 19}
